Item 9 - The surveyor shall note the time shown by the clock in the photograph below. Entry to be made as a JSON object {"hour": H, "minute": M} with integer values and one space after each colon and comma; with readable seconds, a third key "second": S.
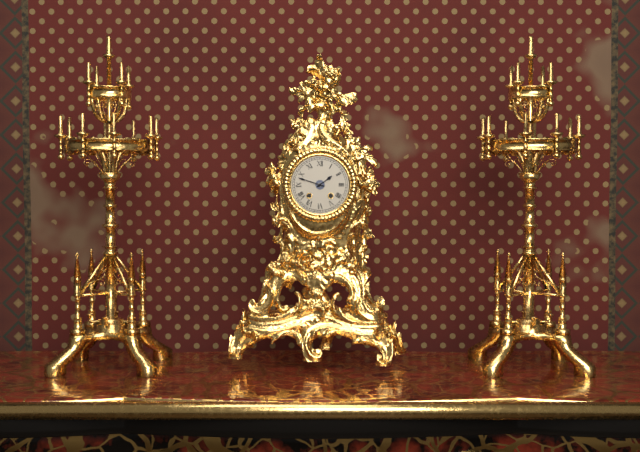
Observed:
{"hour": 1, "minute": 48}
